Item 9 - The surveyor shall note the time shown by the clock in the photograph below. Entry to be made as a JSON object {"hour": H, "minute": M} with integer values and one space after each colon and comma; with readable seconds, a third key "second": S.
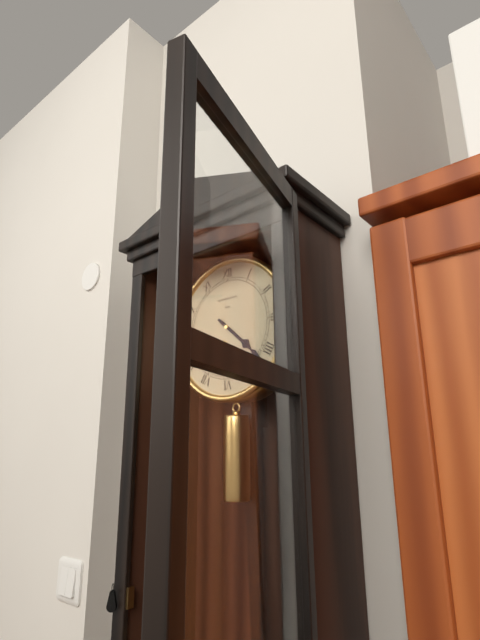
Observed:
{"hour": 4, "minute": 22}
